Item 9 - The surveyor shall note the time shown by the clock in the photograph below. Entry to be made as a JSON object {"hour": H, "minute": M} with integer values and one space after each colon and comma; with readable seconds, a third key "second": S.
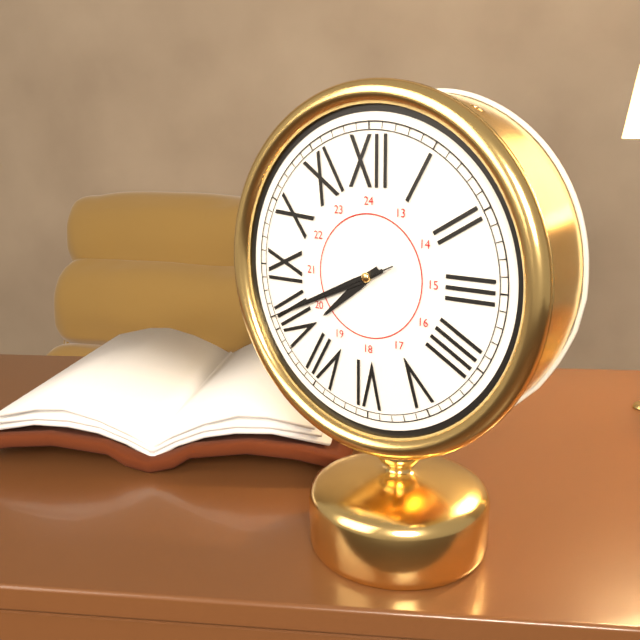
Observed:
{"hour": 7, "minute": 41, "second": 41}
